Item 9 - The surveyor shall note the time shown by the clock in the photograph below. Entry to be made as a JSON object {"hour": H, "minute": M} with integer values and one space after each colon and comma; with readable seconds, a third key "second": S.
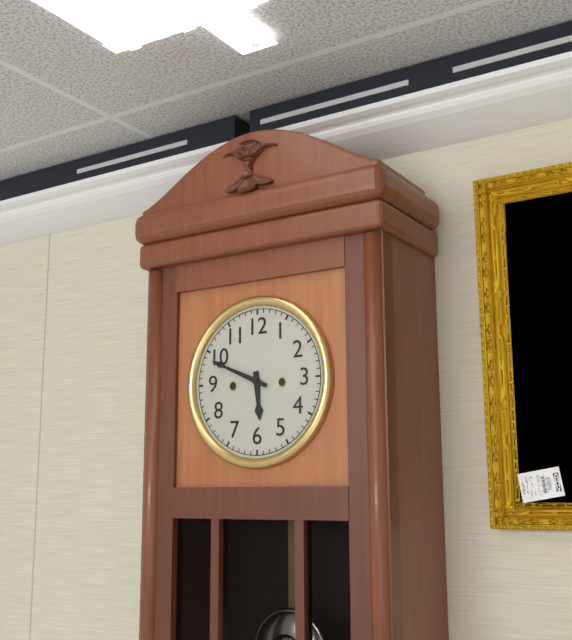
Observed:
{"hour": 5, "minute": 49}
